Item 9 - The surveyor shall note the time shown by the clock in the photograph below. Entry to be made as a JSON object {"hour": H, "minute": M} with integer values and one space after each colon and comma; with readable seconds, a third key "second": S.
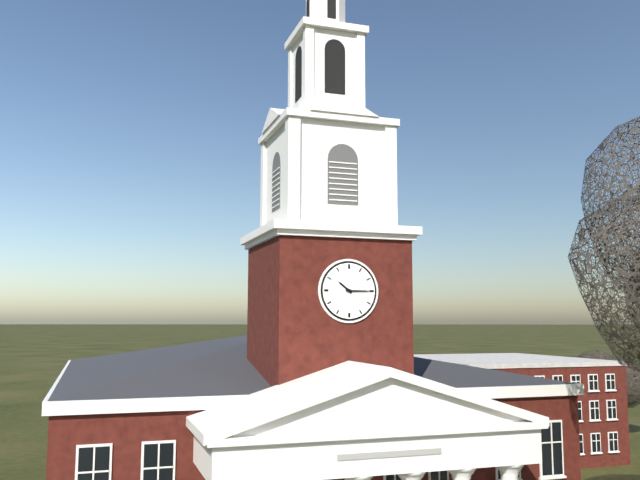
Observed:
{"hour": 10, "minute": 15}
